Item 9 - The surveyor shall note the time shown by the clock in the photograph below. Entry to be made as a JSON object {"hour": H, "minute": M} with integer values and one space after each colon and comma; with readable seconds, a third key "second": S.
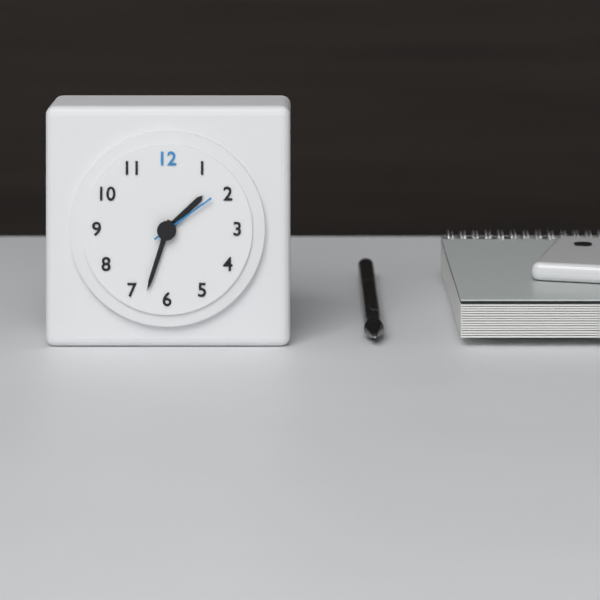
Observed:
{"hour": 1, "minute": 33, "second": 9}
